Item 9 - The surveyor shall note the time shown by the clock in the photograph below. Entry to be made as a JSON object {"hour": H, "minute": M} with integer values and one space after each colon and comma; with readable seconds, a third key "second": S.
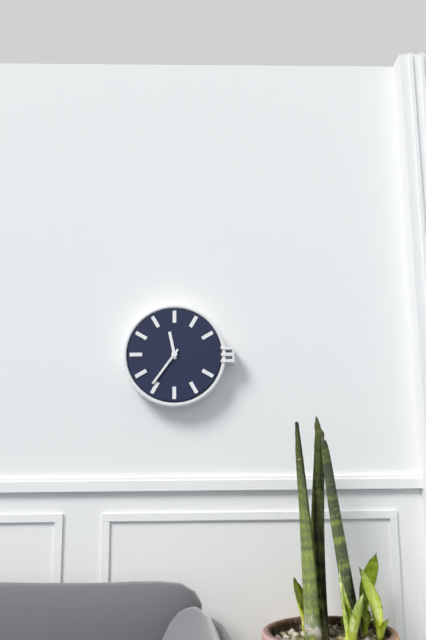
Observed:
{"hour": 11, "minute": 36}
